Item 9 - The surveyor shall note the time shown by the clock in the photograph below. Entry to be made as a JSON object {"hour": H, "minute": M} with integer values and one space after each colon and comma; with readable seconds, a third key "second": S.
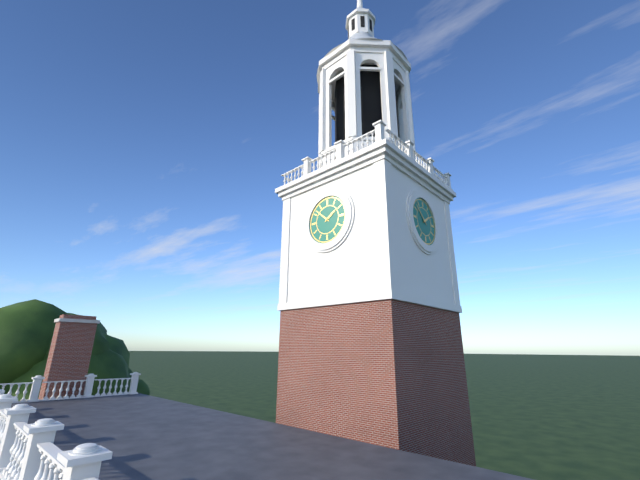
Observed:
{"hour": 1, "minute": 52}
